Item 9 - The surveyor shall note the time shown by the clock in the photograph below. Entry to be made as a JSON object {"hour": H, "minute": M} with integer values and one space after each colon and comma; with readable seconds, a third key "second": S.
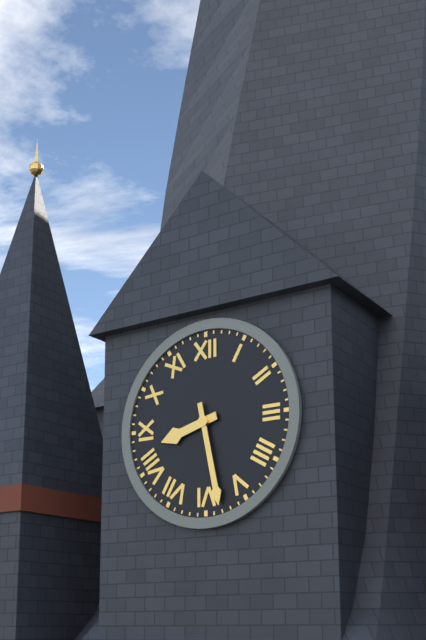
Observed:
{"hour": 8, "minute": 28}
